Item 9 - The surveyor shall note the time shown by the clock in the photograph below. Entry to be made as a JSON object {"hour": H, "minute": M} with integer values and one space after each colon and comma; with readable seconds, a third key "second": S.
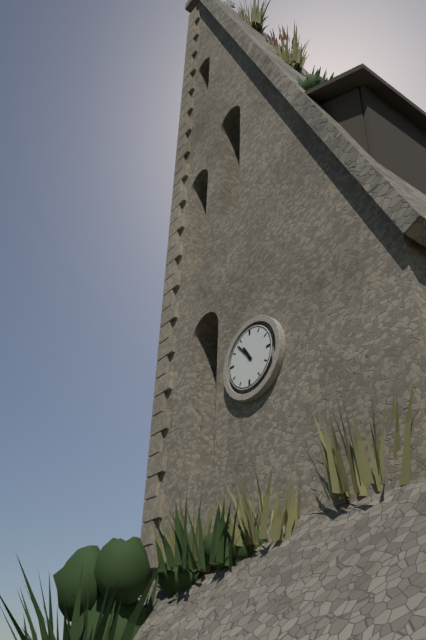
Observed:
{"hour": 10, "minute": 53}
